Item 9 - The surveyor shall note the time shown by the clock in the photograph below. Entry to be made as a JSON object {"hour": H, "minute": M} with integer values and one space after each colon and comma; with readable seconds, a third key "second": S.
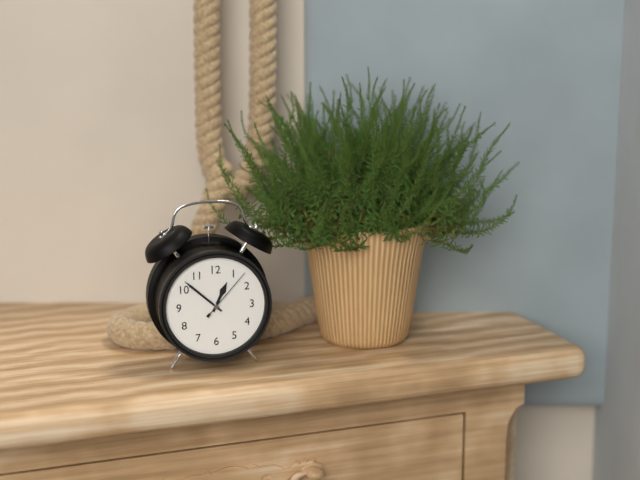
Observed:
{"hour": 12, "minute": 52, "second": 7}
